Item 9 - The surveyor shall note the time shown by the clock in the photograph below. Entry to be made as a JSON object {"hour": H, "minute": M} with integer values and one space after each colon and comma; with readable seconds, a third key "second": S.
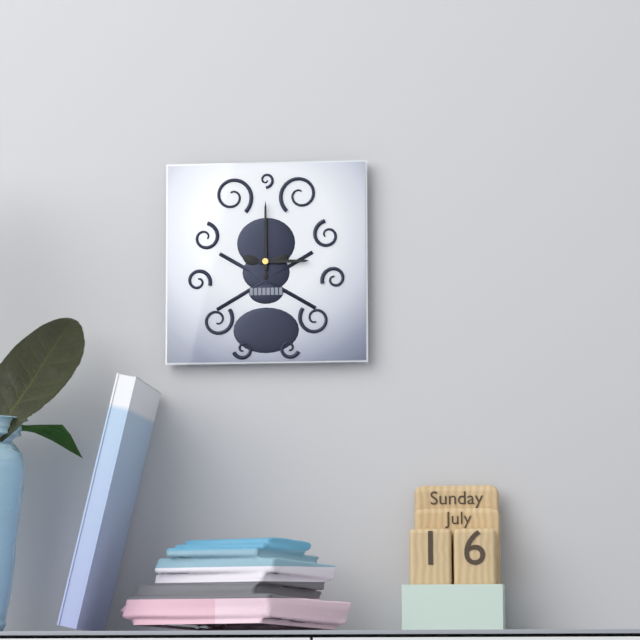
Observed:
{"hour": 3, "minute": 0}
